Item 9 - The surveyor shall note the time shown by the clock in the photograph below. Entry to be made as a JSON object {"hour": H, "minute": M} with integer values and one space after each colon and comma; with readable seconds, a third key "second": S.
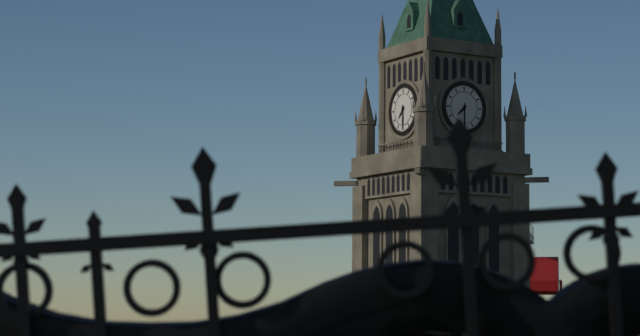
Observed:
{"hour": 7, "minute": 30}
